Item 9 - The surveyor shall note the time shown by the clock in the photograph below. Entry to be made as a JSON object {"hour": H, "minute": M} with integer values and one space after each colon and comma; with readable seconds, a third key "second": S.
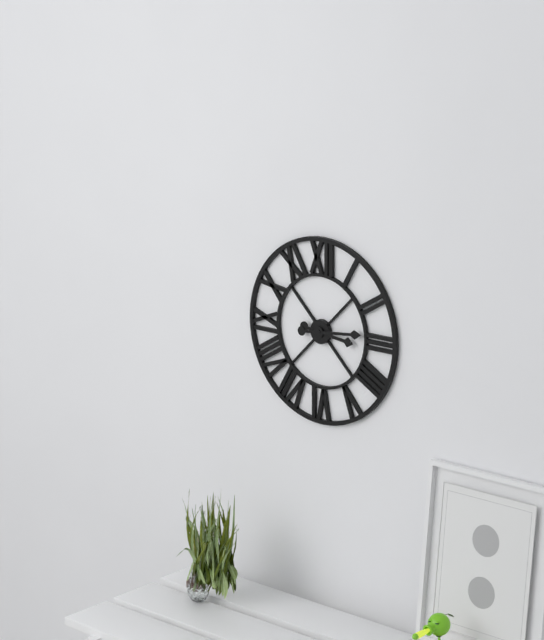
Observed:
{"hour": 3, "minute": 14}
